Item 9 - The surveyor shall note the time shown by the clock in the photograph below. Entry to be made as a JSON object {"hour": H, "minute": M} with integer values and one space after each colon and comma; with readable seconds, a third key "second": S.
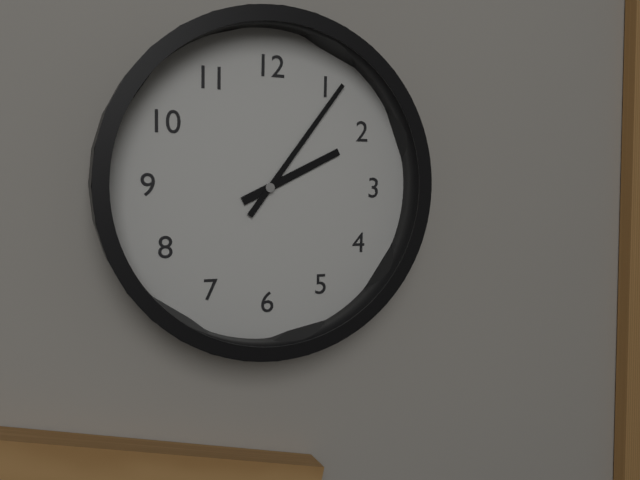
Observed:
{"hour": 2, "minute": 6}
